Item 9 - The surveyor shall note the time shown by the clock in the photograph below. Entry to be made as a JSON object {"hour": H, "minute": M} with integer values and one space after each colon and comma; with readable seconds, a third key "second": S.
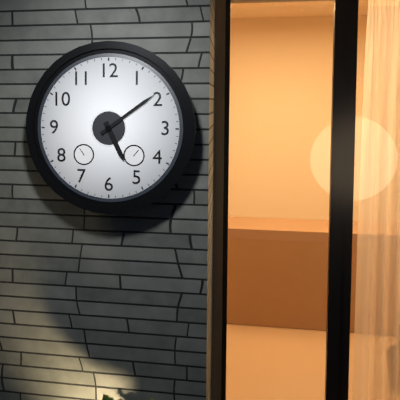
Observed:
{"hour": 5, "minute": 9}
